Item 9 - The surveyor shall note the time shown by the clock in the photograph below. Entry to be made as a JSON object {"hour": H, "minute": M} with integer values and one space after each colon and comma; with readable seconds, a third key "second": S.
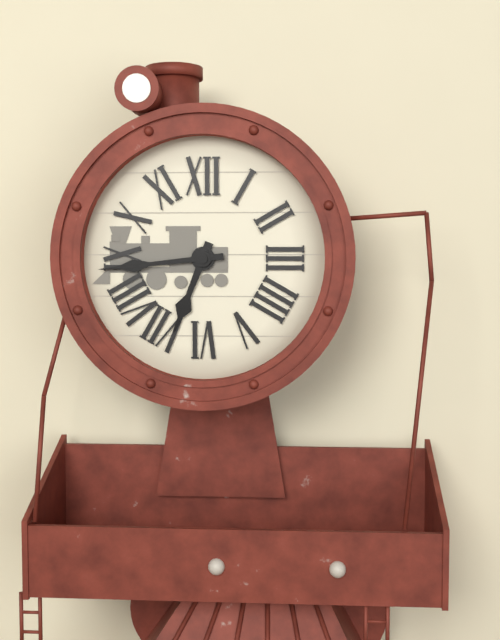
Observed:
{"hour": 6, "minute": 44}
